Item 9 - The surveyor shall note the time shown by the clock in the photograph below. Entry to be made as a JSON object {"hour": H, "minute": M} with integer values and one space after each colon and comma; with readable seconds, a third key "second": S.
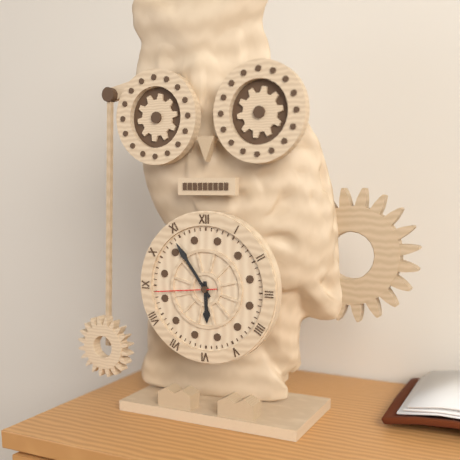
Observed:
{"hour": 5, "minute": 54, "second": 44}
